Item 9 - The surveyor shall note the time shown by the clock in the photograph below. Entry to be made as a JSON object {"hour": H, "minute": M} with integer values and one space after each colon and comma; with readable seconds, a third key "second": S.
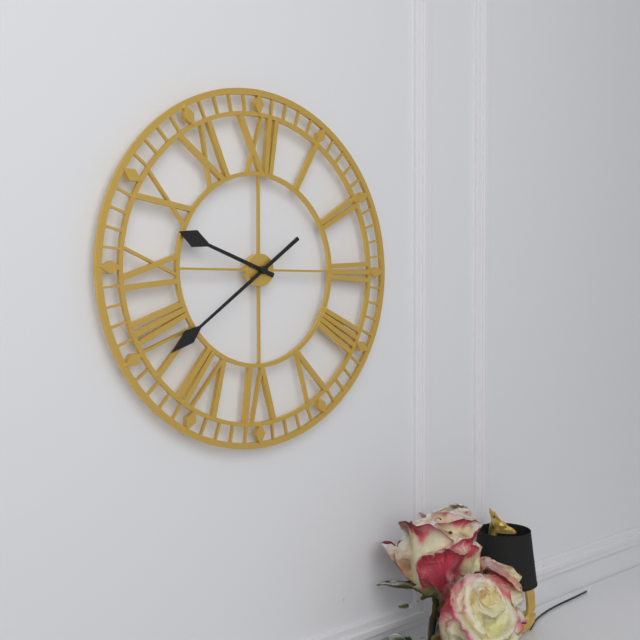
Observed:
{"hour": 9, "minute": 39}
